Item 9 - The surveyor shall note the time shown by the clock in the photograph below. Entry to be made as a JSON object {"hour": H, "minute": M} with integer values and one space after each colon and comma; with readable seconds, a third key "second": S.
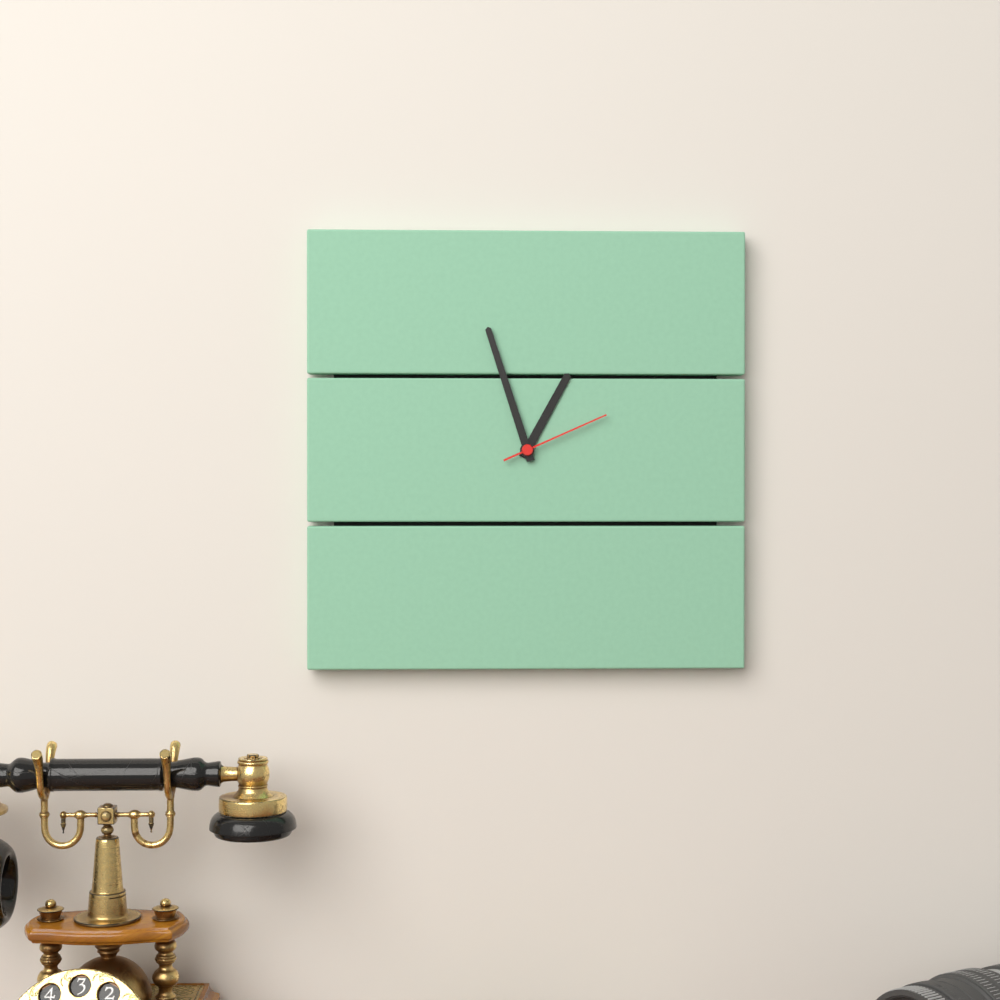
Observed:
{"hour": 12, "minute": 57, "second": 11}
